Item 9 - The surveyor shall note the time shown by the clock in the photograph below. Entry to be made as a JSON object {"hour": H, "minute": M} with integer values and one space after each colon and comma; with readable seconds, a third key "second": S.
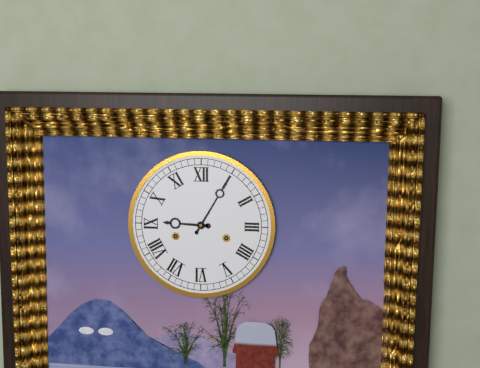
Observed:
{"hour": 9, "minute": 5}
